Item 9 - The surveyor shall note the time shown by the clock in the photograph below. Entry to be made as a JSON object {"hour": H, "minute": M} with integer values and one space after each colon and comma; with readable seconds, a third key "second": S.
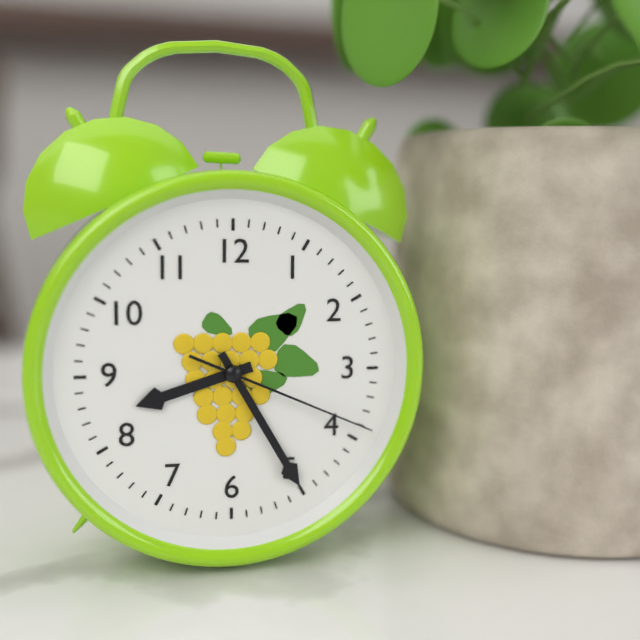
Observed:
{"hour": 8, "minute": 25, "second": 19}
